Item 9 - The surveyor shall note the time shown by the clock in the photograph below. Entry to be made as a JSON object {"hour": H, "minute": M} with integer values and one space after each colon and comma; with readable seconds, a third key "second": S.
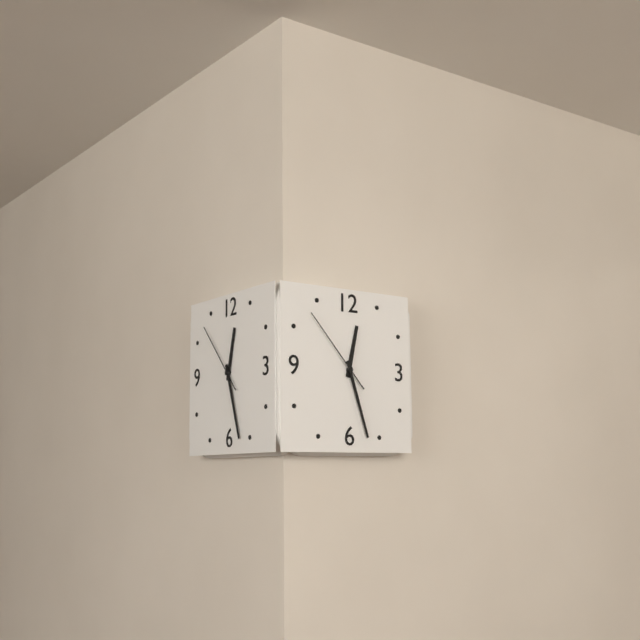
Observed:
{"hour": 12, "minute": 27, "second": 53}
